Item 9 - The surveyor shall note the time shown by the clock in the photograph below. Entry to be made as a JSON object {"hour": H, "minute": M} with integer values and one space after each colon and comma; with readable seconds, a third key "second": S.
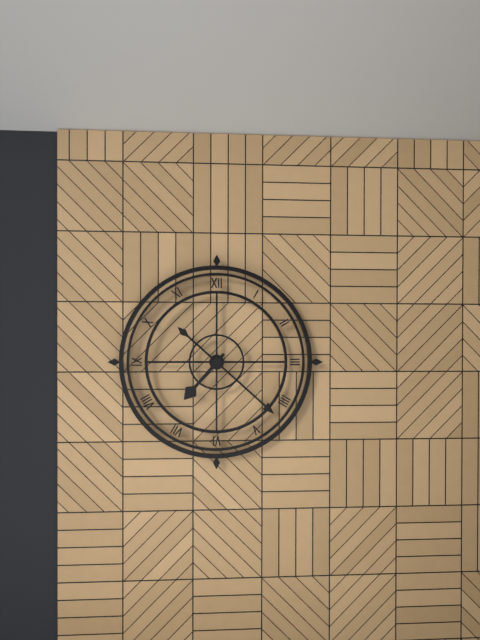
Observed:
{"hour": 7, "minute": 22}
